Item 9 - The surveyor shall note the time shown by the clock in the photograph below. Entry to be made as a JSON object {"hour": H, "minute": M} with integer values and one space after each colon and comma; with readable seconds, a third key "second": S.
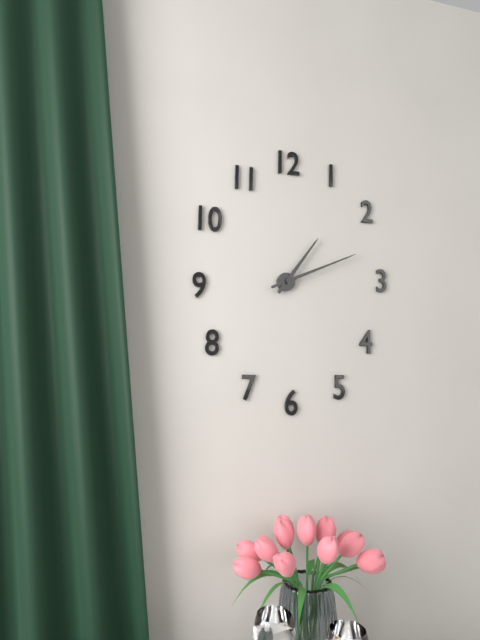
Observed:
{"hour": 1, "minute": 11}
